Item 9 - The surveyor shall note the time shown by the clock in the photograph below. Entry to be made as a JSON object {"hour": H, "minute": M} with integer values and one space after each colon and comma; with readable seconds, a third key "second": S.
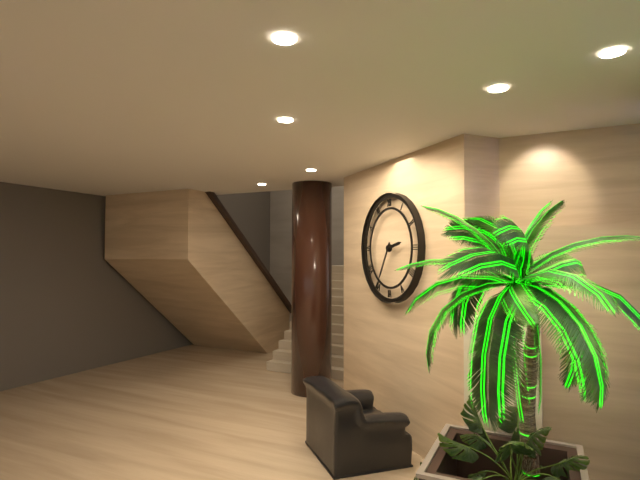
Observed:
{"hour": 2, "minute": 35}
